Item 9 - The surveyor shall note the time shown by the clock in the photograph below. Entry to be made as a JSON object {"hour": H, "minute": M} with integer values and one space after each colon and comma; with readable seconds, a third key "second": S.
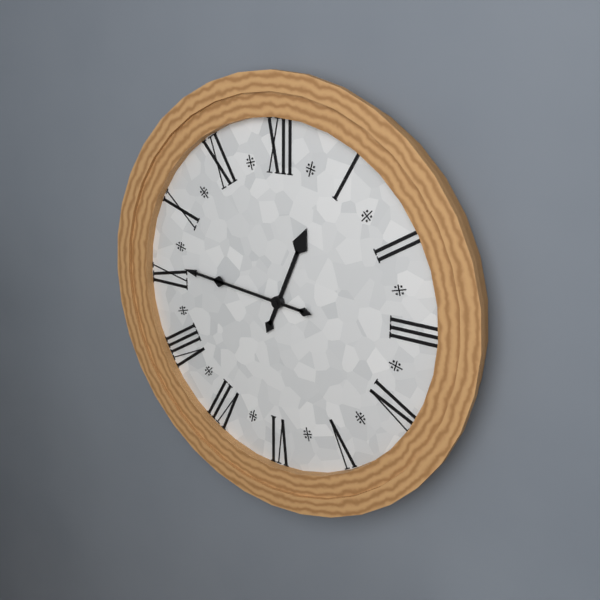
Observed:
{"hour": 12, "minute": 46}
